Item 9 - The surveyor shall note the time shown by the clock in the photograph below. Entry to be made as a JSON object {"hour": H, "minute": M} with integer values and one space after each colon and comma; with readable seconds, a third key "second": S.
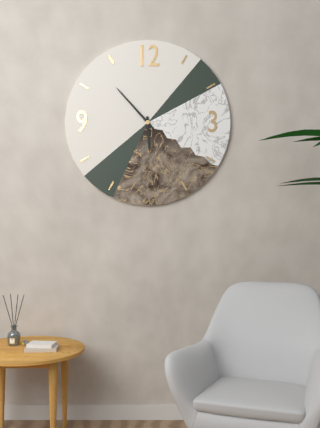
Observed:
{"hour": 5, "minute": 53}
